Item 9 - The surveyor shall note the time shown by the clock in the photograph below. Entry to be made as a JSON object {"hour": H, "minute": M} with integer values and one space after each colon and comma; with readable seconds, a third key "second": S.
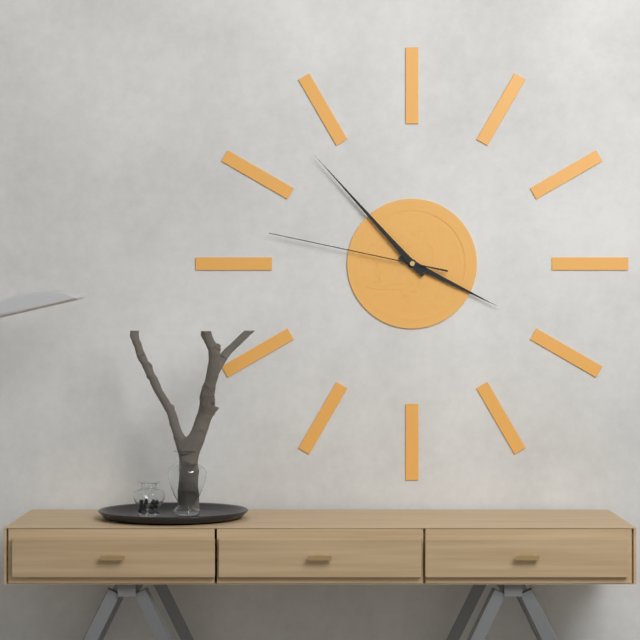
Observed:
{"hour": 3, "minute": 53, "second": 47}
